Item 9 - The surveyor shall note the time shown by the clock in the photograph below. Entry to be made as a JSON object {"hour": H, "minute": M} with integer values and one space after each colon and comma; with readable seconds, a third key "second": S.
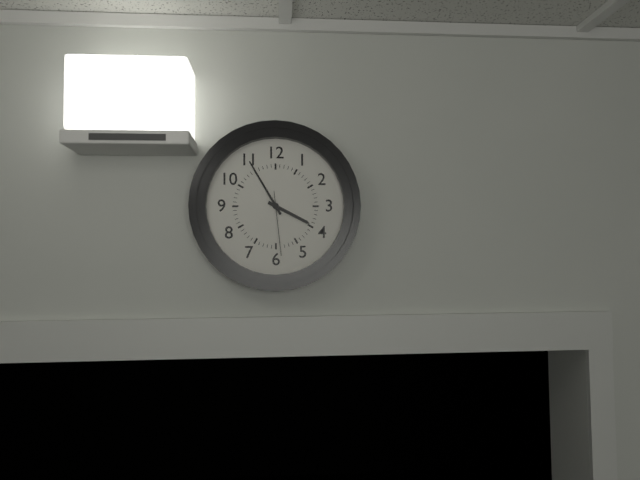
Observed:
{"hour": 3, "minute": 55, "second": 29}
